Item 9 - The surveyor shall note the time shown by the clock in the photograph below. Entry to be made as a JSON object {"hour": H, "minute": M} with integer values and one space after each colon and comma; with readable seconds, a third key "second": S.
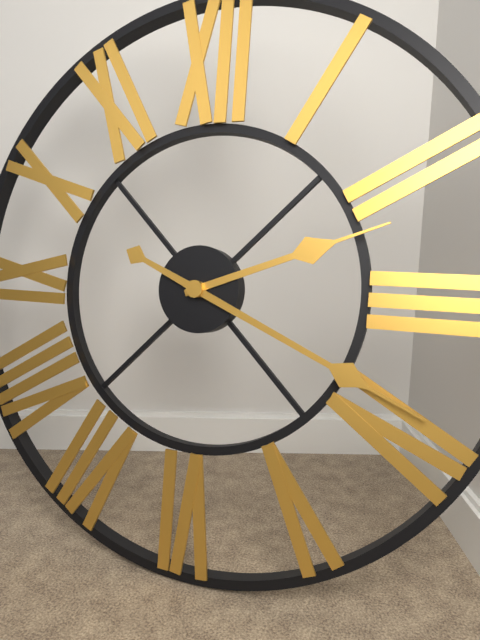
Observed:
{"hour": 2, "minute": 19}
